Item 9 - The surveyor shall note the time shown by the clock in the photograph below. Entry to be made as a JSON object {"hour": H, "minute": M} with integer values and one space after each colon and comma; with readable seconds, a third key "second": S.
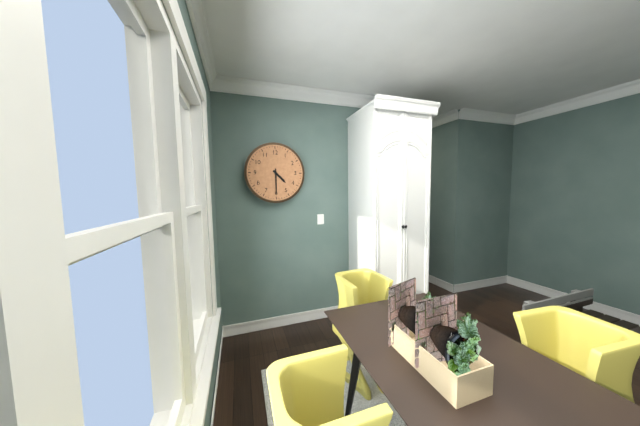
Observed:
{"hour": 4, "minute": 30}
